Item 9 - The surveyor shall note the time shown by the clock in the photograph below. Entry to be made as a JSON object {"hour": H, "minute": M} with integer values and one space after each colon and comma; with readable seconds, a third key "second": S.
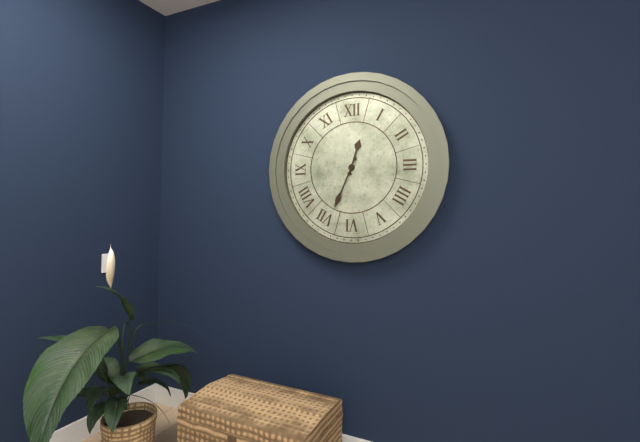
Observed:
{"hour": 12, "minute": 34}
